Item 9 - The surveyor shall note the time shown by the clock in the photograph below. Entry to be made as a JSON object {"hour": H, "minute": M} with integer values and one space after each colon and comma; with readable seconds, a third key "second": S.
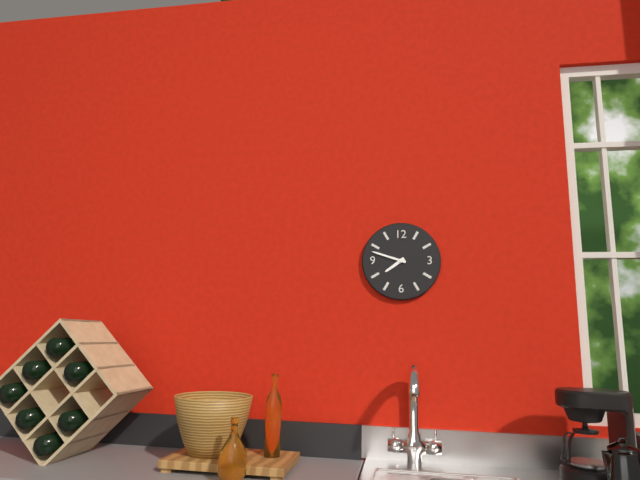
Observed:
{"hour": 7, "minute": 48}
